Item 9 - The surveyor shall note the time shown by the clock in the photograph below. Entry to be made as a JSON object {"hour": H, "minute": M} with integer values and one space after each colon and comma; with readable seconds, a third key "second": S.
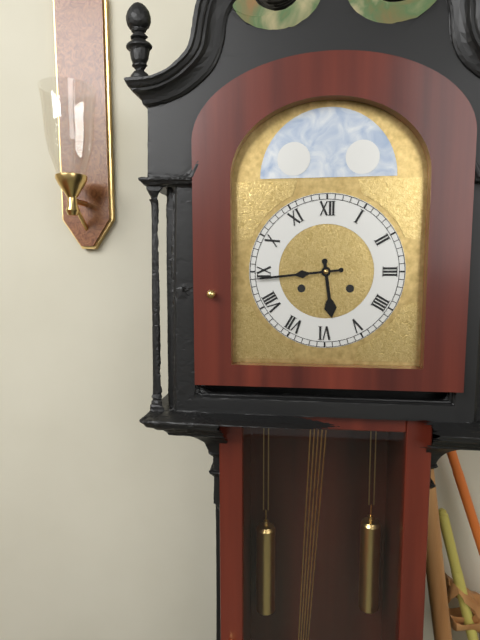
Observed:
{"hour": 5, "minute": 44}
